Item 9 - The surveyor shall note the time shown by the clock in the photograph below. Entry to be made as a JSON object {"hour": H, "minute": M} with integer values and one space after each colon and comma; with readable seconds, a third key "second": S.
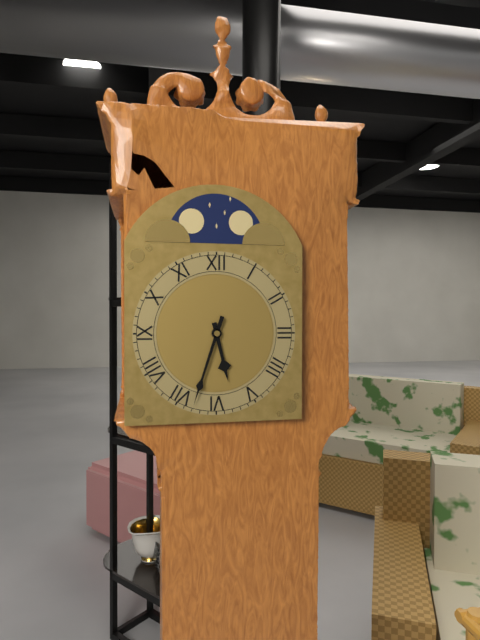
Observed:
{"hour": 5, "minute": 33}
